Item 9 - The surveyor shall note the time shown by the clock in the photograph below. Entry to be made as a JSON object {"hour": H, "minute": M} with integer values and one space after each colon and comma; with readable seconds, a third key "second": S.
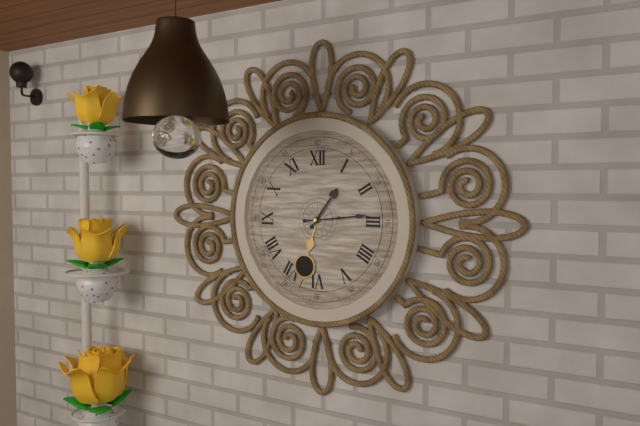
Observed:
{"hour": 1, "minute": 14}
